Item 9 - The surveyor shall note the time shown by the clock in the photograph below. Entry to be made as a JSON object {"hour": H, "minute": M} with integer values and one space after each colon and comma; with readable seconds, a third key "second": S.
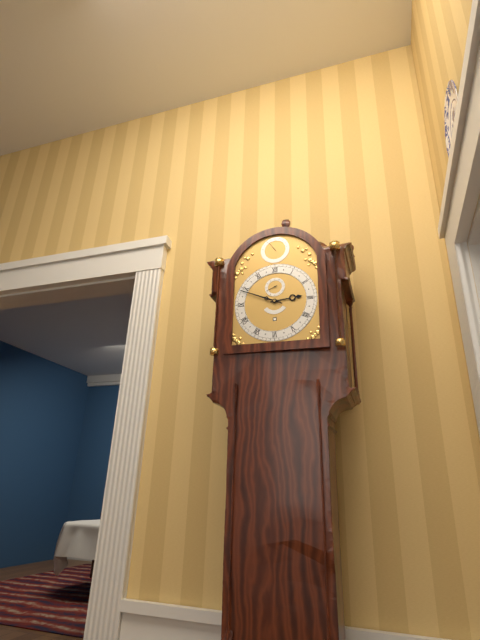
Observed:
{"hour": 2, "minute": 49}
